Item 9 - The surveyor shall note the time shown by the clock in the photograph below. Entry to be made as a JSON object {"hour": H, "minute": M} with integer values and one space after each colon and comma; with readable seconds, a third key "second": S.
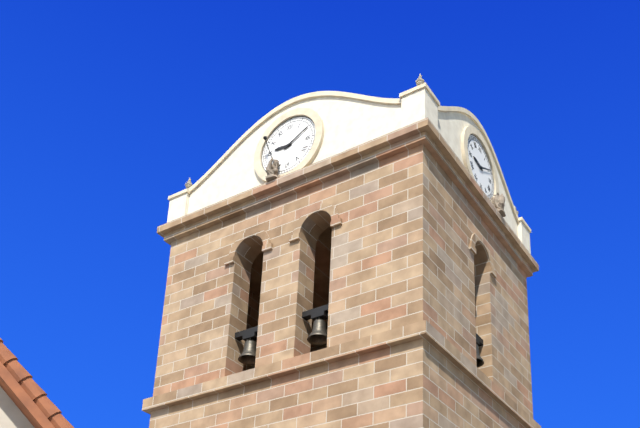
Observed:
{"hour": 9, "minute": 10}
